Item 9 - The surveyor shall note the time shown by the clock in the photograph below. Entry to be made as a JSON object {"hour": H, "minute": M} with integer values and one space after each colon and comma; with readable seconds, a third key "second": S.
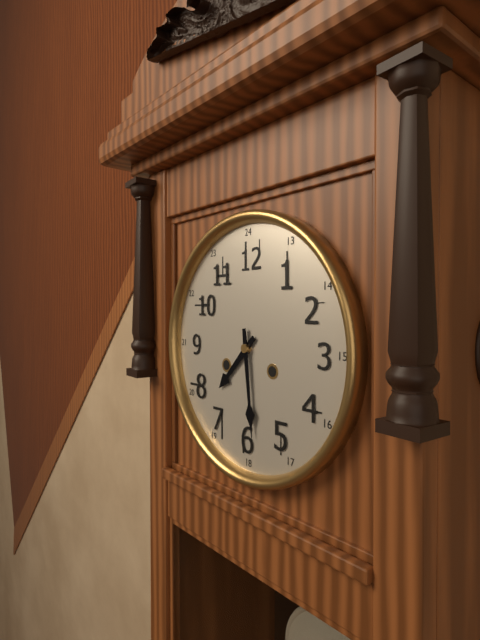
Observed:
{"hour": 7, "minute": 29}
